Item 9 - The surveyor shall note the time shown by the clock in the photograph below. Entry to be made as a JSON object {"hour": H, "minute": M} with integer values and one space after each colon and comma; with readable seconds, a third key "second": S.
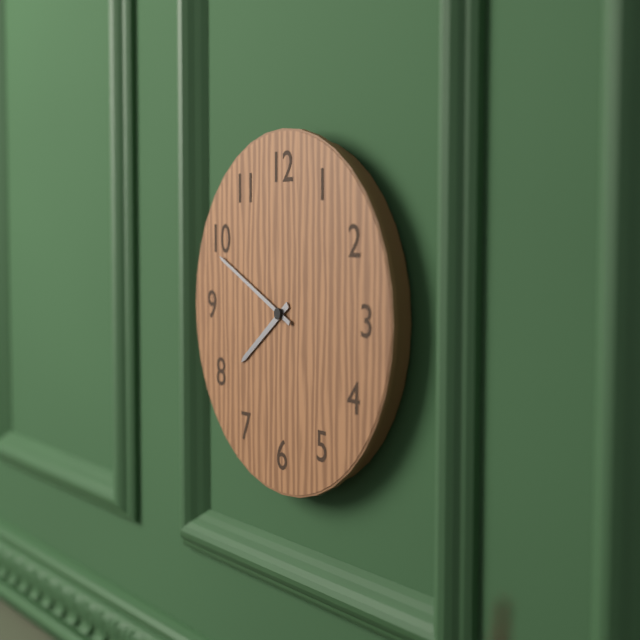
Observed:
{"hour": 7, "minute": 49}
